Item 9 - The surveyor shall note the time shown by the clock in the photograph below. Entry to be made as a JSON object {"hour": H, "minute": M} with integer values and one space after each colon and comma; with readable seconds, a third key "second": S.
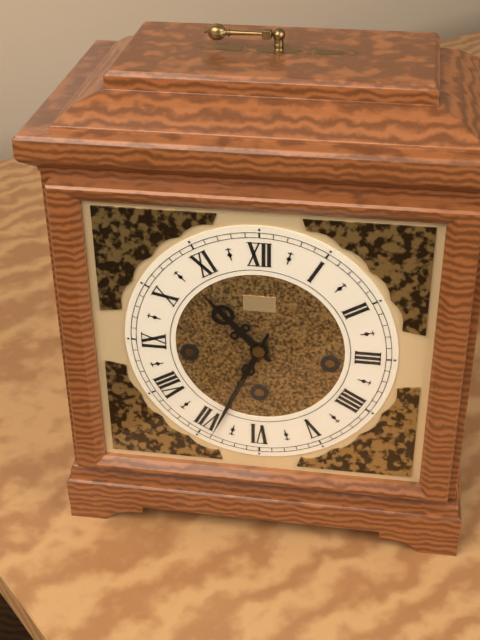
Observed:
{"hour": 10, "minute": 34}
